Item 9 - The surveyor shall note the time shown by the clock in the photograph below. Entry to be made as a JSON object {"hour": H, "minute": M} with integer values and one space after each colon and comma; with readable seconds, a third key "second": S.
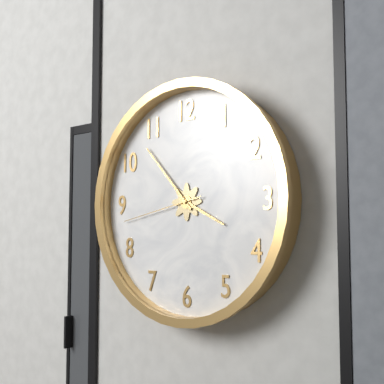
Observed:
{"hour": 3, "minute": 53, "second": 43}
